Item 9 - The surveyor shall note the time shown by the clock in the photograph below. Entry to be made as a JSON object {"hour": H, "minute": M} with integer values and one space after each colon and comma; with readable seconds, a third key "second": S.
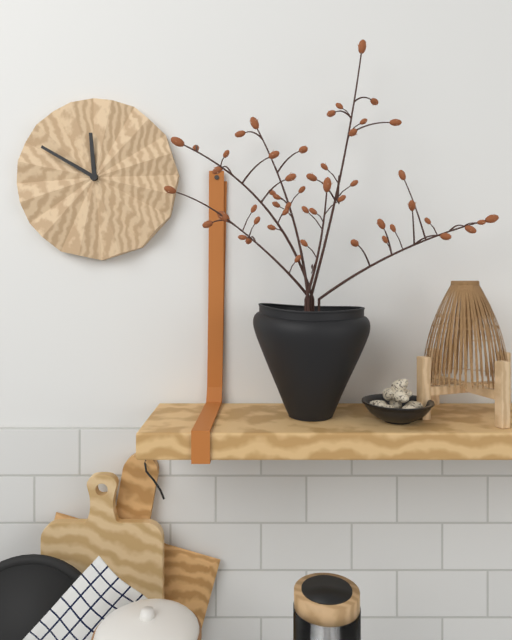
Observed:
{"hour": 11, "minute": 50}
